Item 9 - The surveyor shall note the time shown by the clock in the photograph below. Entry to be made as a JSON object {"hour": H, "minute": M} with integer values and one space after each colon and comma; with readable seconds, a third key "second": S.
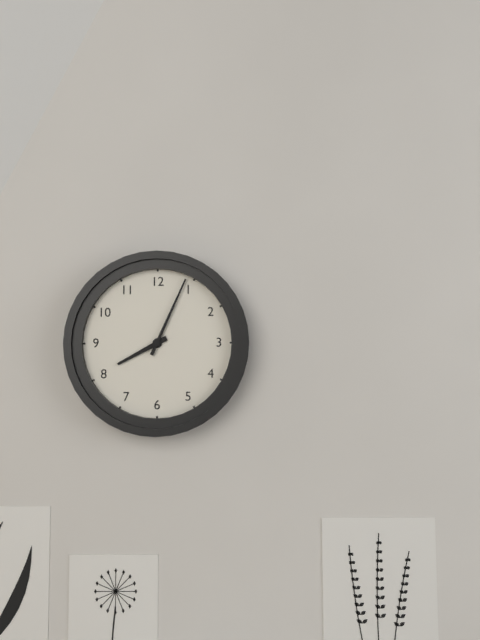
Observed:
{"hour": 8, "minute": 4}
